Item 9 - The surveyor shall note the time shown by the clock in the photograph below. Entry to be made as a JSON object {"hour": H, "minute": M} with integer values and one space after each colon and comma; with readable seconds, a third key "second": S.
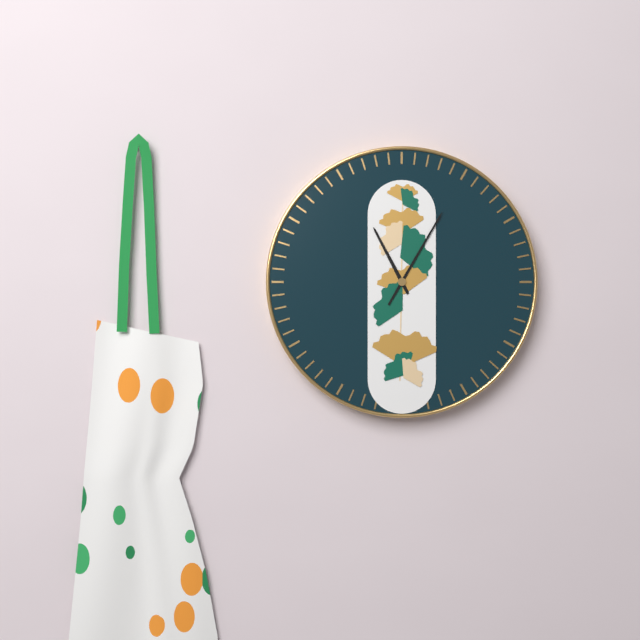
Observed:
{"hour": 11, "minute": 5}
